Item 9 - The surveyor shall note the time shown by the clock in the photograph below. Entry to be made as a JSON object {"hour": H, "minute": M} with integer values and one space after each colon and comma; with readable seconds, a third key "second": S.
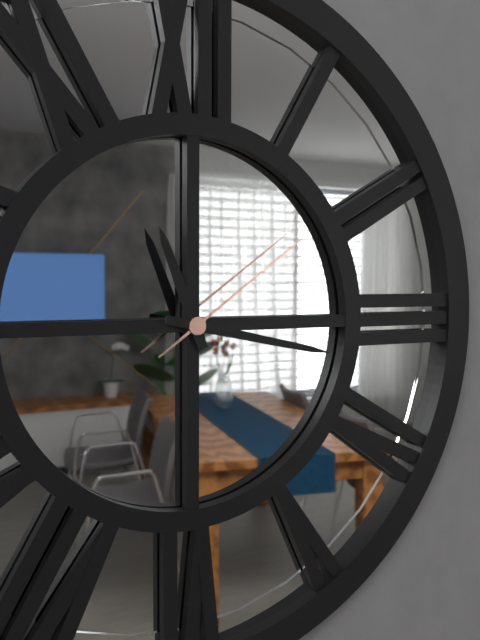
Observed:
{"hour": 11, "minute": 17, "second": 9}
